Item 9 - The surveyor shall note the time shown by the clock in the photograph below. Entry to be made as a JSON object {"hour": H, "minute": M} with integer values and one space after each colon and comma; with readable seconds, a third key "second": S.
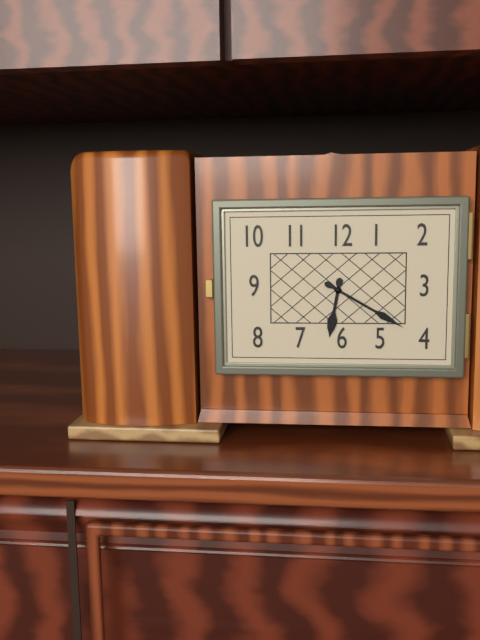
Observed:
{"hour": 6, "minute": 20}
